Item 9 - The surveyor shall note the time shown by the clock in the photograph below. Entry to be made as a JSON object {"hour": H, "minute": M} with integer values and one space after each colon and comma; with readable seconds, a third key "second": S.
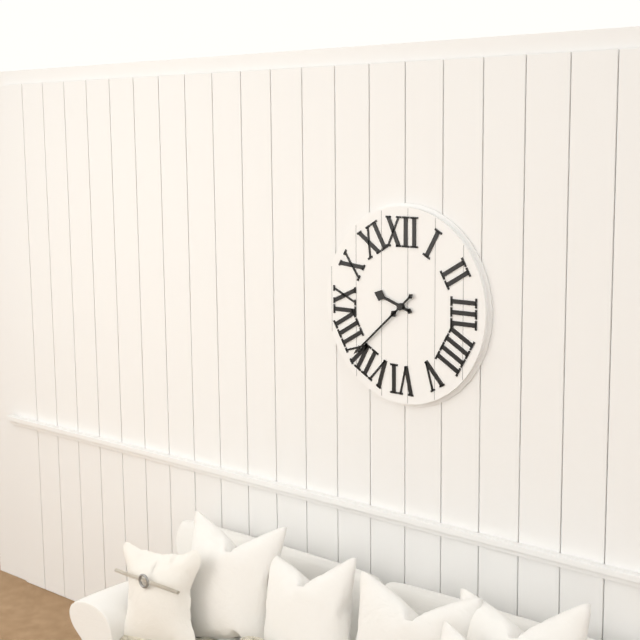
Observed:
{"hour": 9, "minute": 38}
